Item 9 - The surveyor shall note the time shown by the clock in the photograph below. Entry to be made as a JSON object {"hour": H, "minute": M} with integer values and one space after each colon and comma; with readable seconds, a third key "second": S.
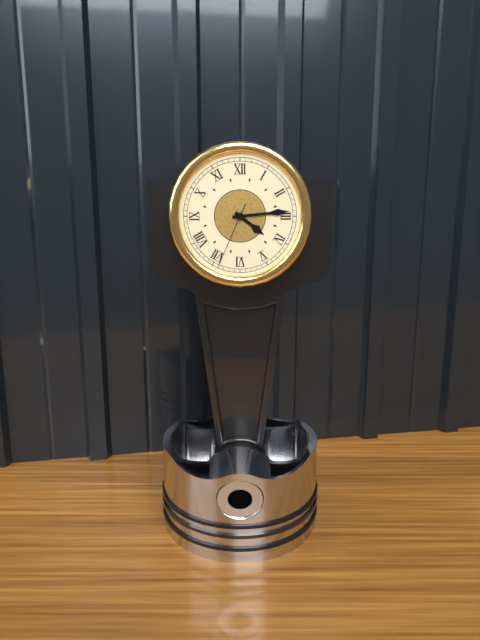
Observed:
{"hour": 4, "minute": 14, "second": 34}
